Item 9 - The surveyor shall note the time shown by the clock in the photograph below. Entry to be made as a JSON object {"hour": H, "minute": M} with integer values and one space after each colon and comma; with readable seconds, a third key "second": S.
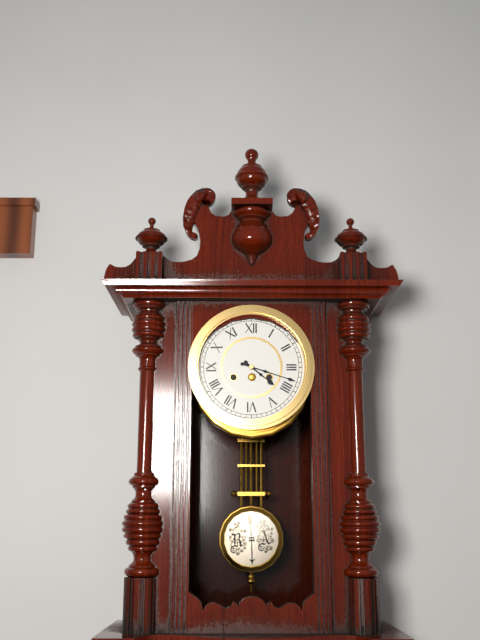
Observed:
{"hour": 4, "minute": 18}
